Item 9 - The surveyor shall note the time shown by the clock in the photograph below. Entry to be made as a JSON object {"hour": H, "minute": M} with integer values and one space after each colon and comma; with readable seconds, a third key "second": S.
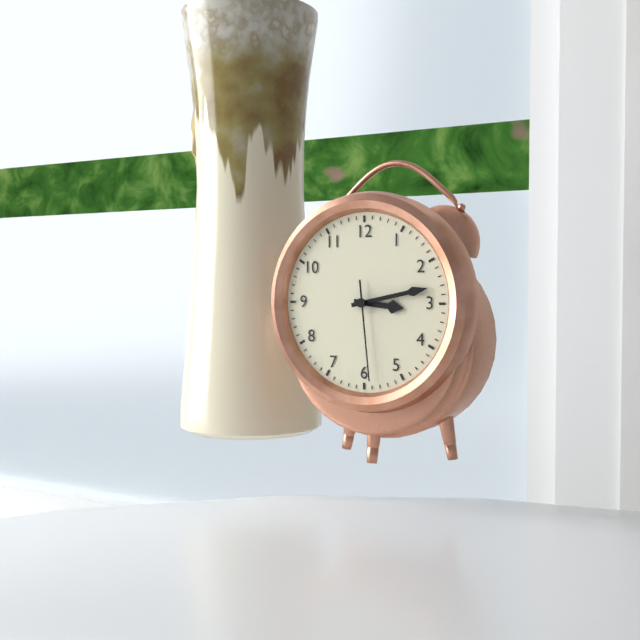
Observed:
{"hour": 3, "minute": 13, "second": 29}
